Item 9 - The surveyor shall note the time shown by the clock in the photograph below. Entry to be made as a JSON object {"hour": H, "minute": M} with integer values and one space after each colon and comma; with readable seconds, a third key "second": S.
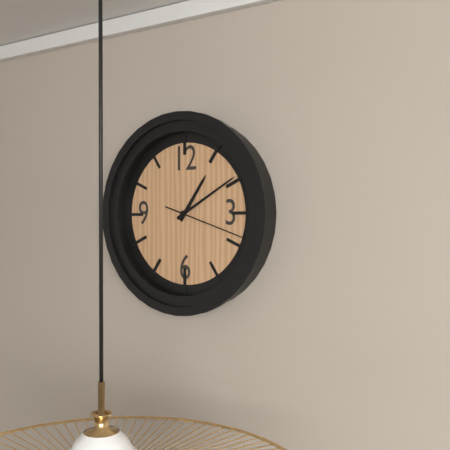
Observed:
{"hour": 1, "minute": 10, "second": 18}
